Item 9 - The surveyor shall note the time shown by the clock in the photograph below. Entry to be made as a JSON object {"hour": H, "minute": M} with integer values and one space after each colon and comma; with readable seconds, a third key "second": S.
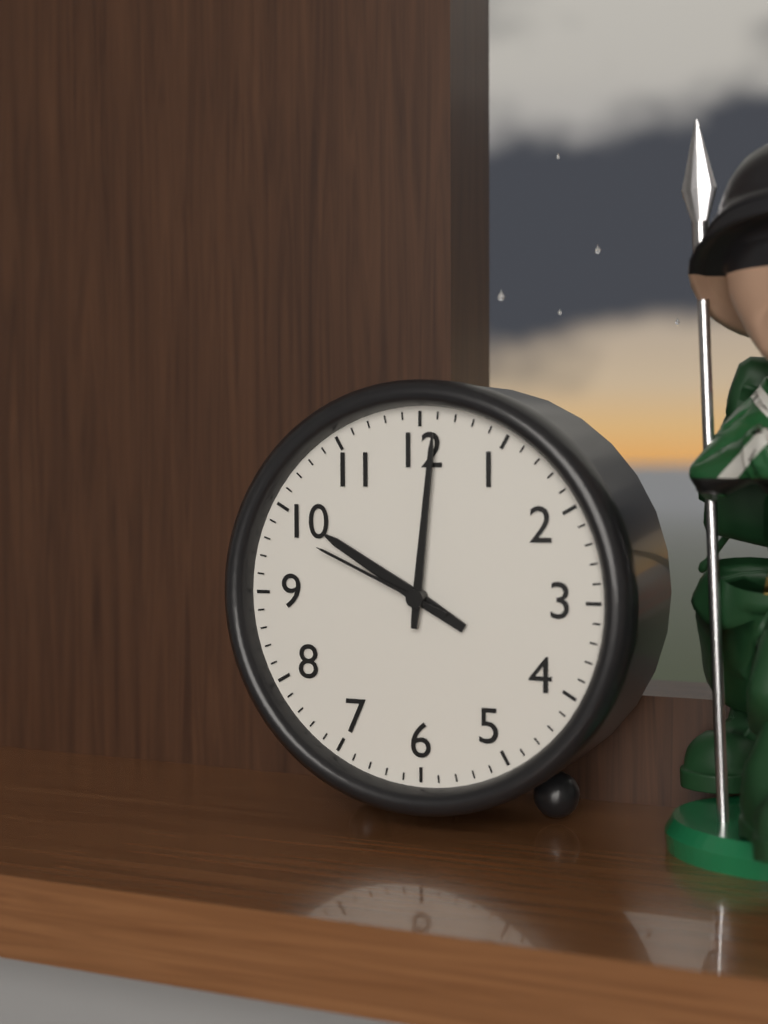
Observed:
{"hour": 10, "minute": 1, "second": 49}
